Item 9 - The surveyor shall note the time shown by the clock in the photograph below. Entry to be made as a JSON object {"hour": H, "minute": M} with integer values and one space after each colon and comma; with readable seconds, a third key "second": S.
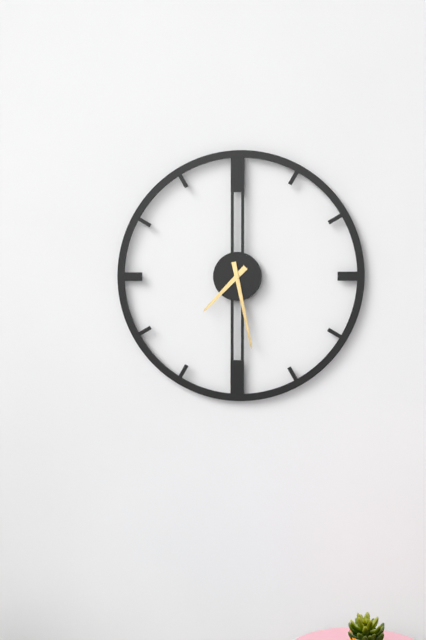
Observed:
{"hour": 7, "minute": 28}
